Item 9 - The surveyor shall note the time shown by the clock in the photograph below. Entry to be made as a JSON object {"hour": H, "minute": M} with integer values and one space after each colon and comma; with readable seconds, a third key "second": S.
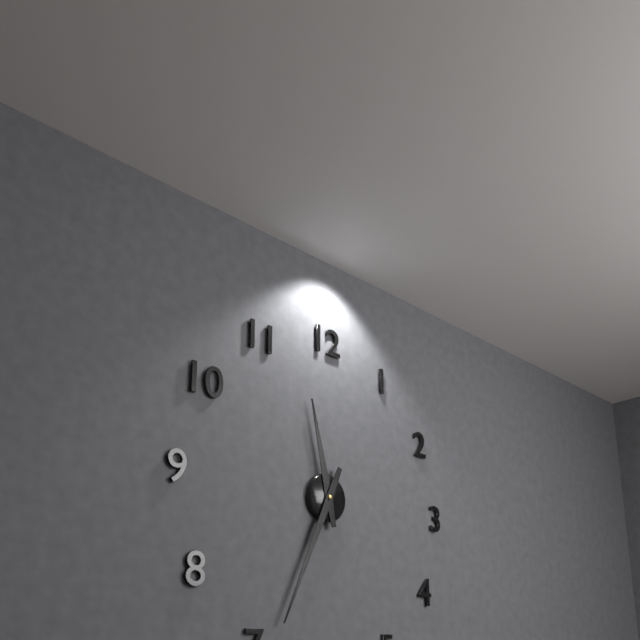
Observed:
{"hour": 11, "minute": 34}
